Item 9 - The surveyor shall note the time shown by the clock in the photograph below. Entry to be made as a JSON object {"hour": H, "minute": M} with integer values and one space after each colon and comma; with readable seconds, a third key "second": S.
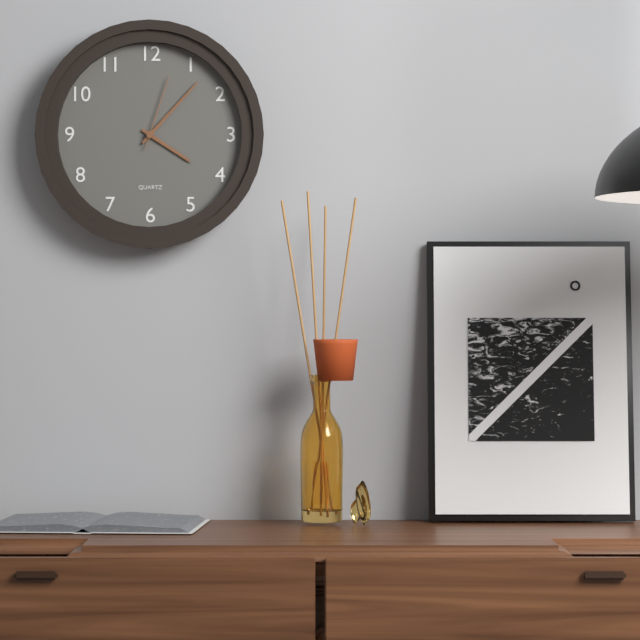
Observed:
{"hour": 4, "minute": 7, "second": 3}
